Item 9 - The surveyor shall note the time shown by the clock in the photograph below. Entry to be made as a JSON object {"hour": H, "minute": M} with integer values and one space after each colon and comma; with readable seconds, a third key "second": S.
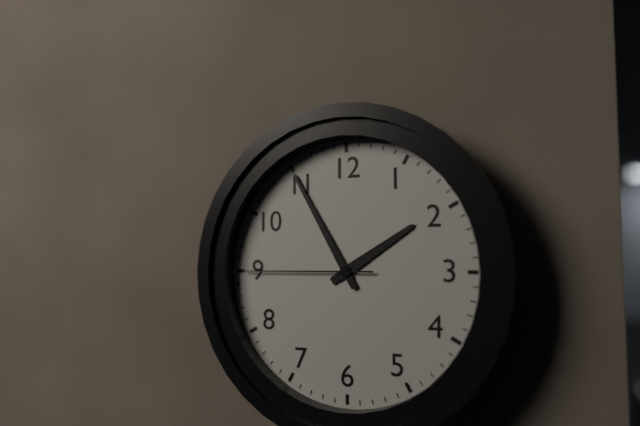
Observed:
{"hour": 1, "minute": 55, "second": 45}
